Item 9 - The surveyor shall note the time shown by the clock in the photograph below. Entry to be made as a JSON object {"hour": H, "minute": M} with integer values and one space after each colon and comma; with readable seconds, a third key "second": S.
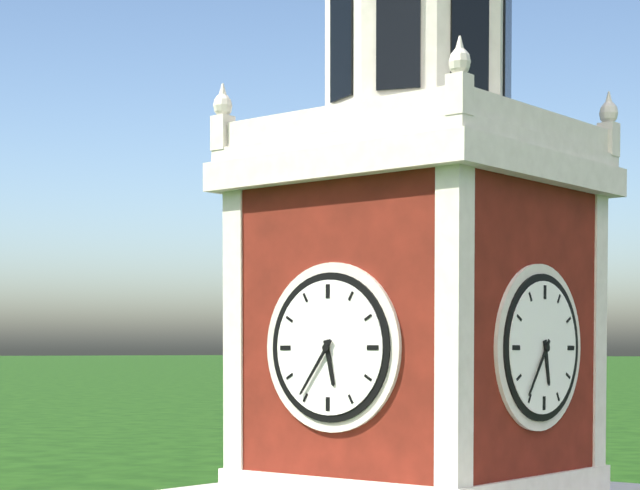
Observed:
{"hour": 5, "minute": 36}
